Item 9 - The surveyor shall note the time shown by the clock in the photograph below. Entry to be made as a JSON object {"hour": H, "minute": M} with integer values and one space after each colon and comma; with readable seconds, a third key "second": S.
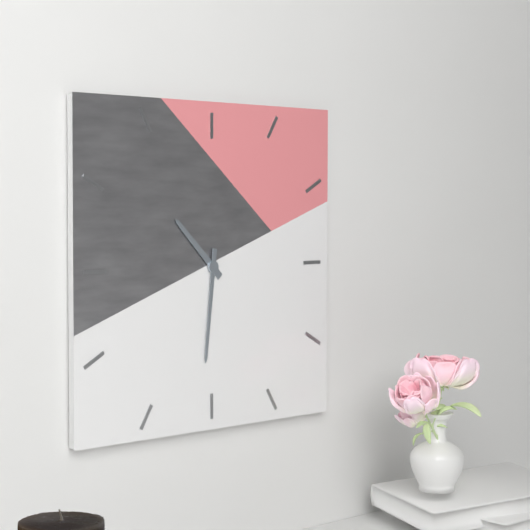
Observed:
{"hour": 10, "minute": 31}
